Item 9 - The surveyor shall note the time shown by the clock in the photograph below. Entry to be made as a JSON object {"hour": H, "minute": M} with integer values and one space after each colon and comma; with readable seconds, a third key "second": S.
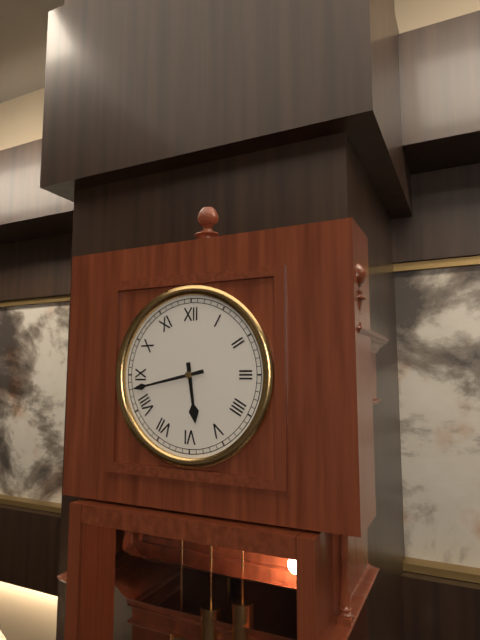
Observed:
{"hour": 5, "minute": 43}
